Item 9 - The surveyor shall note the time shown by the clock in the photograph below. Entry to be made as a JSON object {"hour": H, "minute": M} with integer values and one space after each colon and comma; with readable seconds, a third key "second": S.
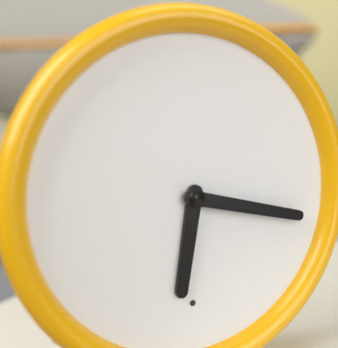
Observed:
{"hour": 6, "minute": 17}
